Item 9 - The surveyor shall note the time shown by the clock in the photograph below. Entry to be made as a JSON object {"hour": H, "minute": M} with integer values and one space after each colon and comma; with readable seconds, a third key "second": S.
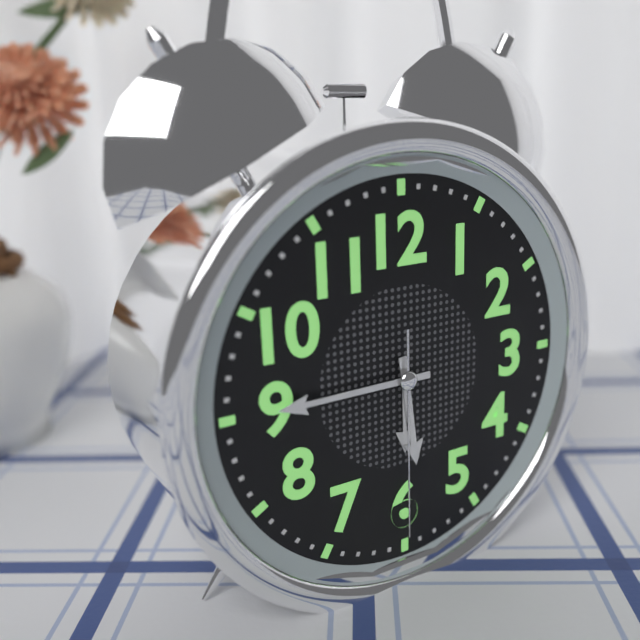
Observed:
{"hour": 5, "minute": 45, "second": 30}
